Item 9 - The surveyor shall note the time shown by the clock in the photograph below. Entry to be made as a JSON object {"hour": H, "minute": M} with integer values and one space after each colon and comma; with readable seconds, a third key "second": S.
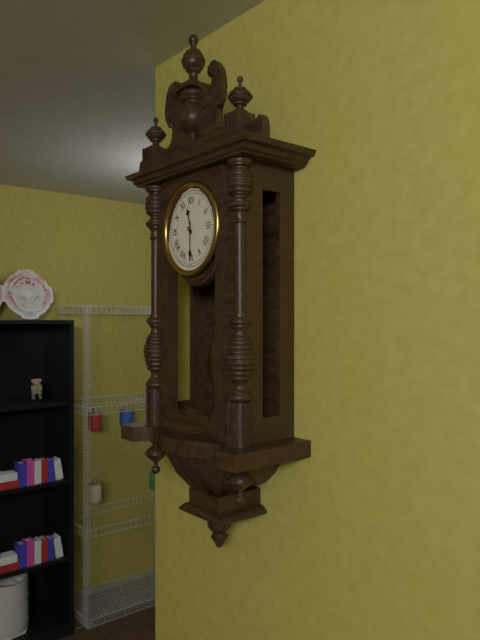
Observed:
{"hour": 11, "minute": 30}
